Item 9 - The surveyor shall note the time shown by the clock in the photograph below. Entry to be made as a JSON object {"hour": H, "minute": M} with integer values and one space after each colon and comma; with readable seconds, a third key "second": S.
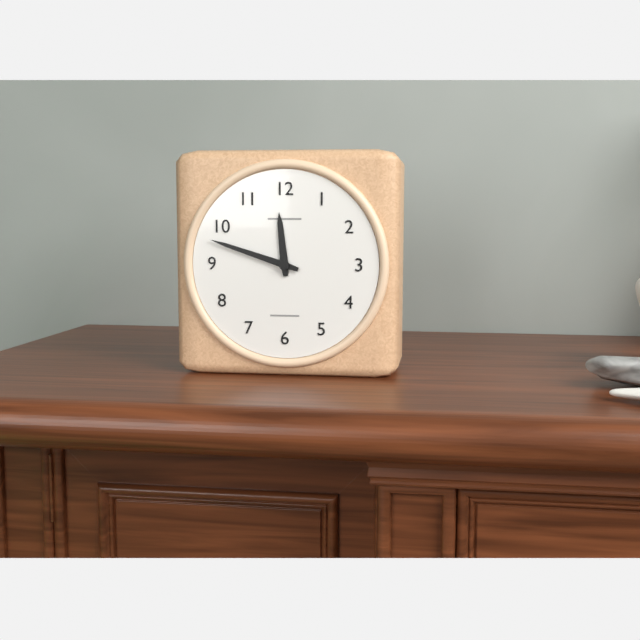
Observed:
{"hour": 11, "minute": 48}
